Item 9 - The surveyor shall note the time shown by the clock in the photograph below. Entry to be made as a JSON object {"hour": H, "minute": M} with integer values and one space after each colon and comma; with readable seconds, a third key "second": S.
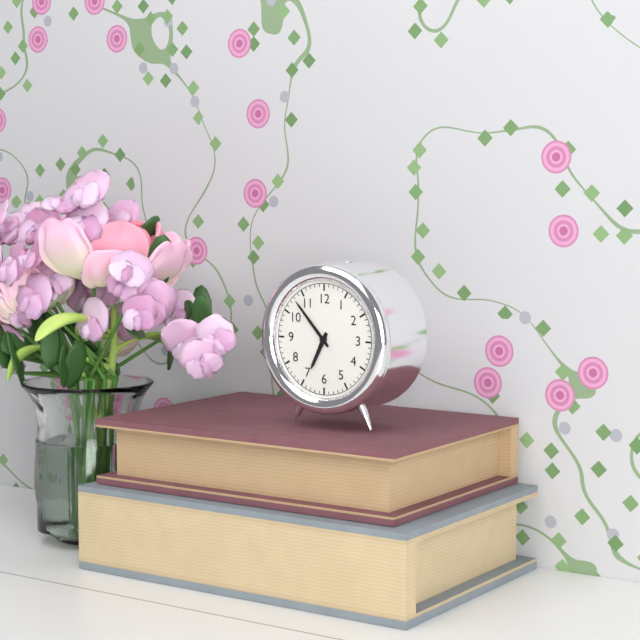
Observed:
{"hour": 6, "minute": 53}
